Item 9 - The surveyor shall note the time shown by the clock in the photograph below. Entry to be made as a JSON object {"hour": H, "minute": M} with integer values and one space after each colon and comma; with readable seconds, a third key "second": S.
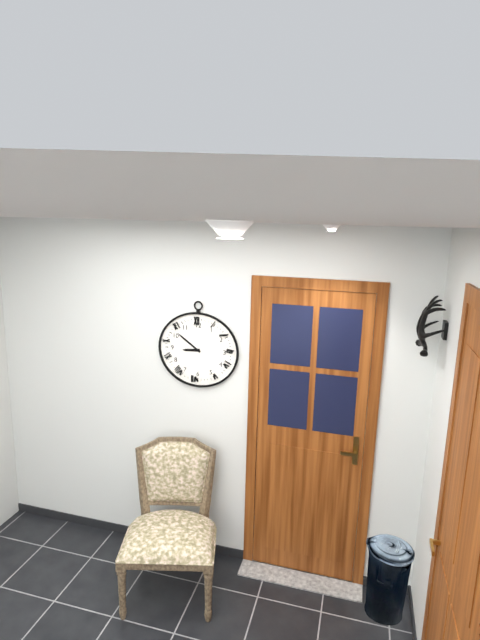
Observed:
{"hour": 8, "minute": 51}
